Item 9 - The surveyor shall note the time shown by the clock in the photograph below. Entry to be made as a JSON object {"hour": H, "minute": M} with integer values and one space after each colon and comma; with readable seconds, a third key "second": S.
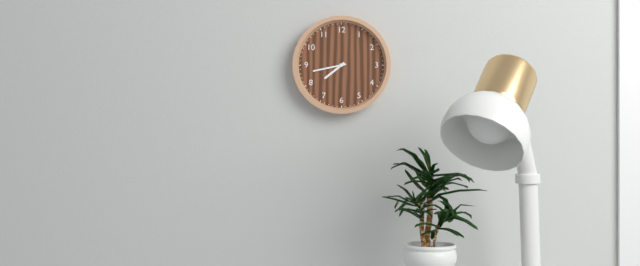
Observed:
{"hour": 7, "minute": 43}
